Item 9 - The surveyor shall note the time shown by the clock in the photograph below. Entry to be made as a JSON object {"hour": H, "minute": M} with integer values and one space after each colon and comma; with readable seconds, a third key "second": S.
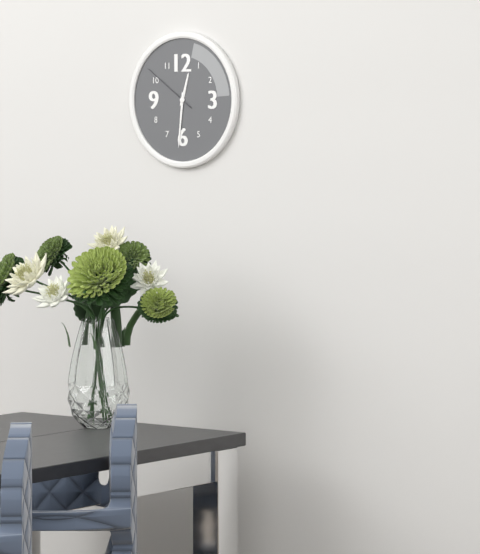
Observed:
{"hour": 12, "minute": 31, "second": 51}
